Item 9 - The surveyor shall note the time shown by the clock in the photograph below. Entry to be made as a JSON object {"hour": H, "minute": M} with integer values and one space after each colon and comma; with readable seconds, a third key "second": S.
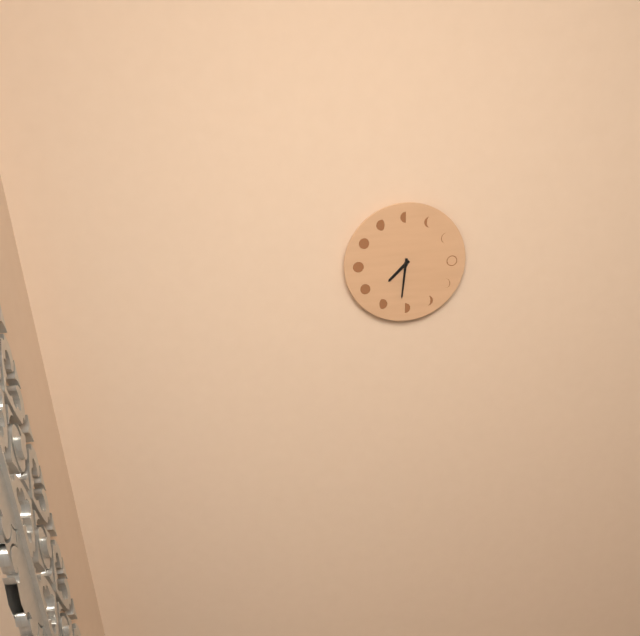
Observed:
{"hour": 7, "minute": 31}
